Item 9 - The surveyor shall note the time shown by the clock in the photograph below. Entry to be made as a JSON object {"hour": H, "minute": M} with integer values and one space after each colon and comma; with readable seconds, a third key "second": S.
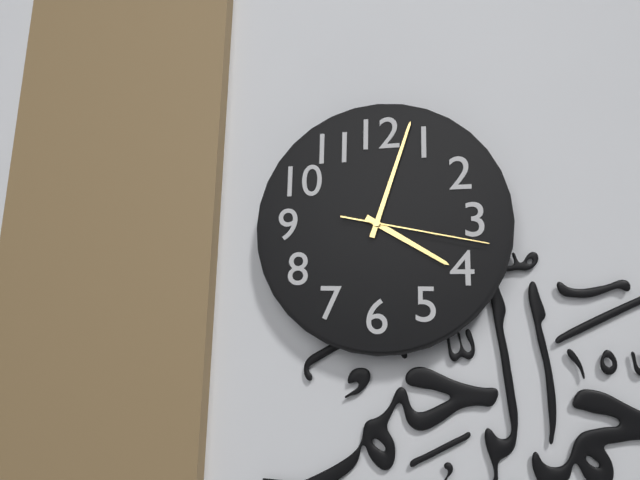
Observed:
{"hour": 4, "minute": 3, "second": 17}
